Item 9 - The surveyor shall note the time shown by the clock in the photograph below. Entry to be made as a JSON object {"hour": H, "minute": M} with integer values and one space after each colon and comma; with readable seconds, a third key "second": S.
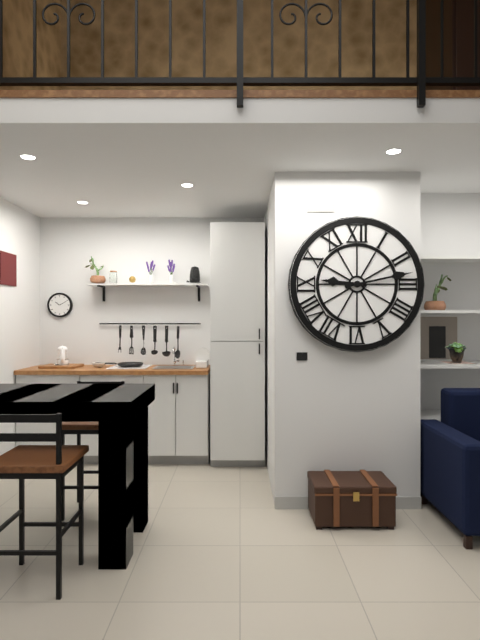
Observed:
{"hour": 9, "minute": 13}
